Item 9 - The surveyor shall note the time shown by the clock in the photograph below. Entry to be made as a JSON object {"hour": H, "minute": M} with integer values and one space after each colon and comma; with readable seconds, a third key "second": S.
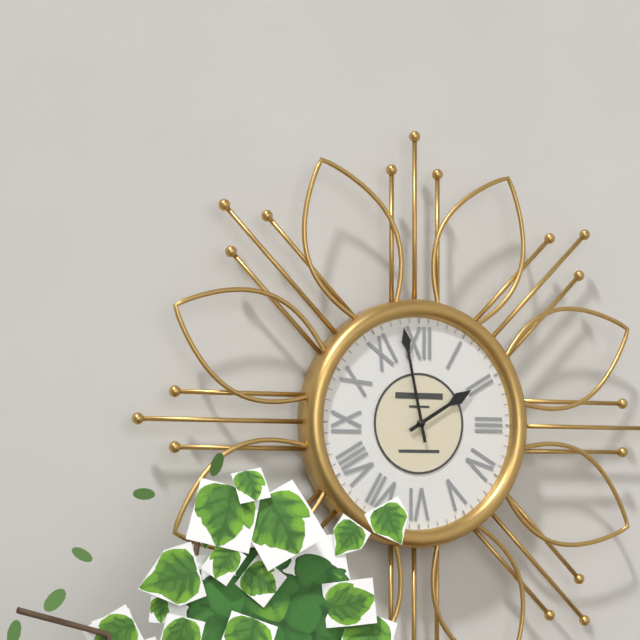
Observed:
{"hour": 1, "minute": 58}
